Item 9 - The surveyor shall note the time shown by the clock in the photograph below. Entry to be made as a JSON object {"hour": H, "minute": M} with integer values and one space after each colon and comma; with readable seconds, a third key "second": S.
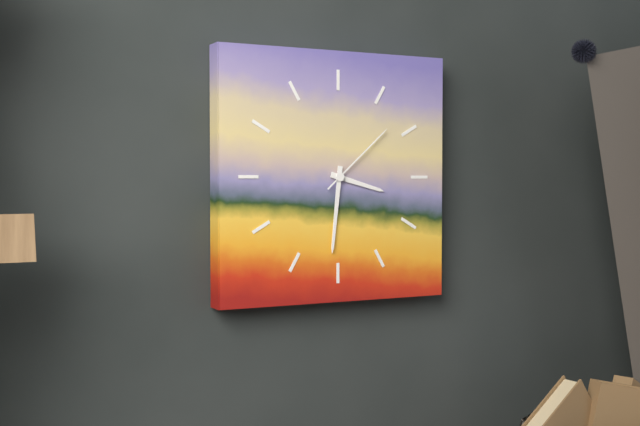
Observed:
{"hour": 3, "minute": 31, "second": 8}
